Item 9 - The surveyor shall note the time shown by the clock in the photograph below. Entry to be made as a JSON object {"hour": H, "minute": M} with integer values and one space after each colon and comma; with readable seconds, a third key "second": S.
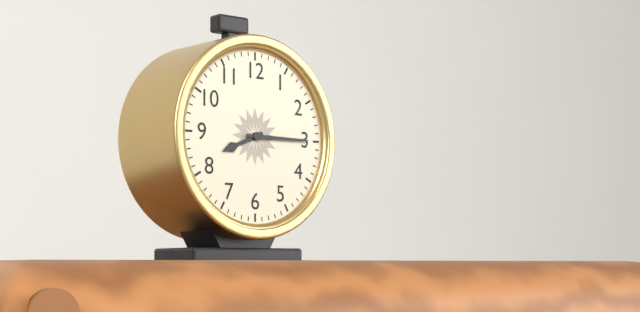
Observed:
{"hour": 8, "minute": 15}
